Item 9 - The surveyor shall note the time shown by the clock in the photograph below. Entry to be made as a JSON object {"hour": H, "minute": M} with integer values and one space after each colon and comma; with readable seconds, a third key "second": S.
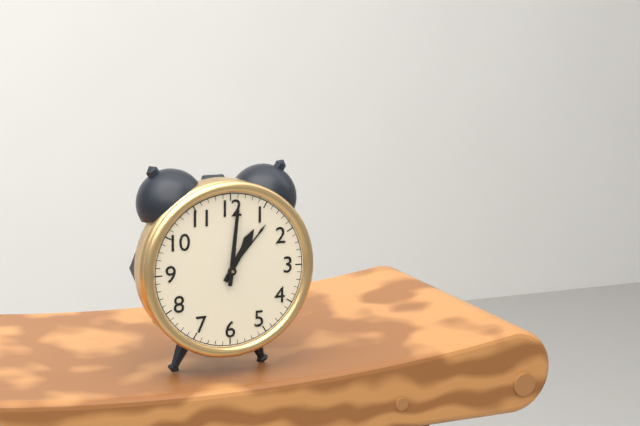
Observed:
{"hour": 1, "minute": 1}
